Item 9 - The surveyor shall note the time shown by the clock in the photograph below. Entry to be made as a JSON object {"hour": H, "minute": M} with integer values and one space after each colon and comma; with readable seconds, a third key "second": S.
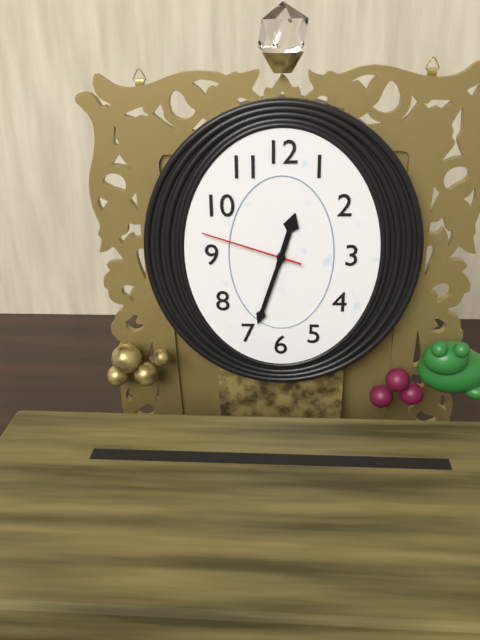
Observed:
{"hour": 12, "minute": 33, "second": 48}
